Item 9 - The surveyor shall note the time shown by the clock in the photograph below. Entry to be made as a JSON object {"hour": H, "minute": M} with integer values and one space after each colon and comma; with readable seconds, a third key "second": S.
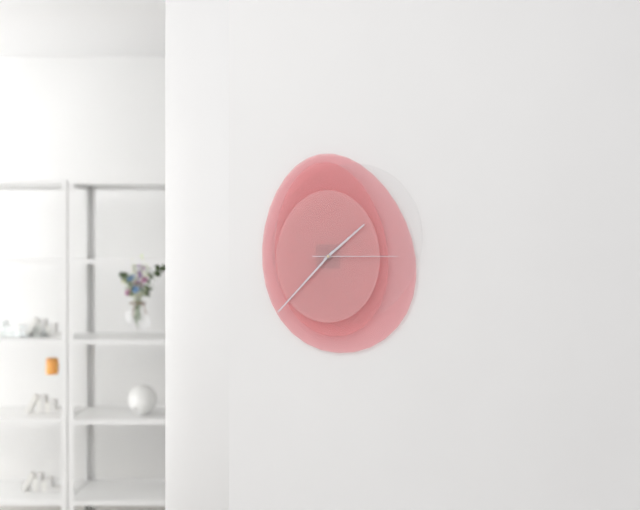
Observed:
{"hour": 1, "minute": 37, "second": 15}
